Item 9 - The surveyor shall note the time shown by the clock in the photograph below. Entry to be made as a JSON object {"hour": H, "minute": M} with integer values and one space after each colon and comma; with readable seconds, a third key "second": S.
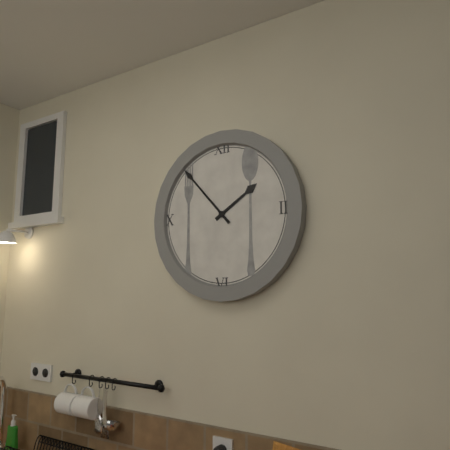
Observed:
{"hour": 1, "minute": 53}
